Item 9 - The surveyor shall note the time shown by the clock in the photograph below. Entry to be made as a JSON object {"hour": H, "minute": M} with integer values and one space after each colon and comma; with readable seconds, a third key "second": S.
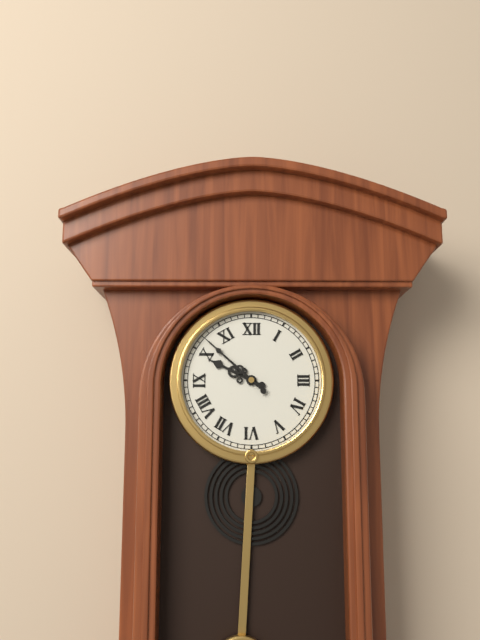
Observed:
{"hour": 9, "minute": 52}
